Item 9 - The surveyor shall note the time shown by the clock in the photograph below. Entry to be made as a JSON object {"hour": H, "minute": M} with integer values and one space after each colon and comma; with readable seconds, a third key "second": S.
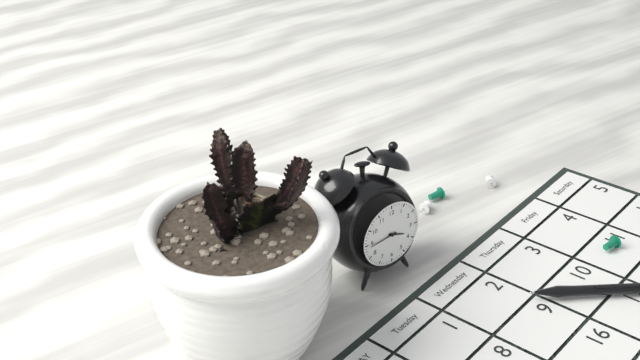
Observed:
{"hour": 3, "minute": 44}
